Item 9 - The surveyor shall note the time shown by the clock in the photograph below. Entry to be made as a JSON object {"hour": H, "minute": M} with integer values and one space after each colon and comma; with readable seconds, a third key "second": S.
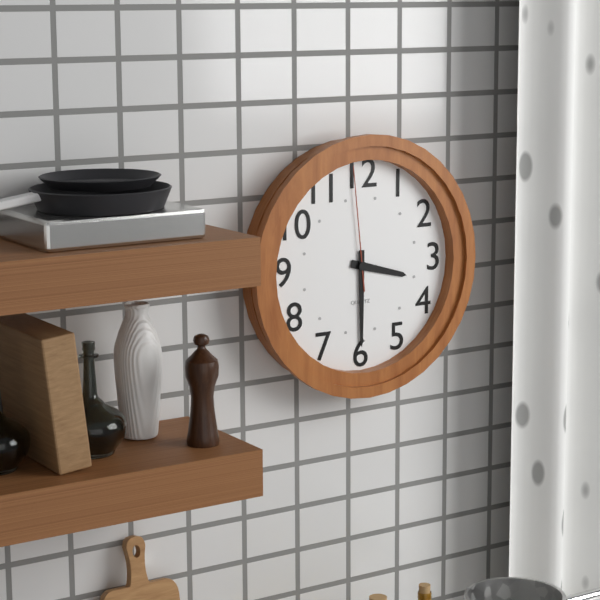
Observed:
{"hour": 3, "minute": 30, "second": 59}
